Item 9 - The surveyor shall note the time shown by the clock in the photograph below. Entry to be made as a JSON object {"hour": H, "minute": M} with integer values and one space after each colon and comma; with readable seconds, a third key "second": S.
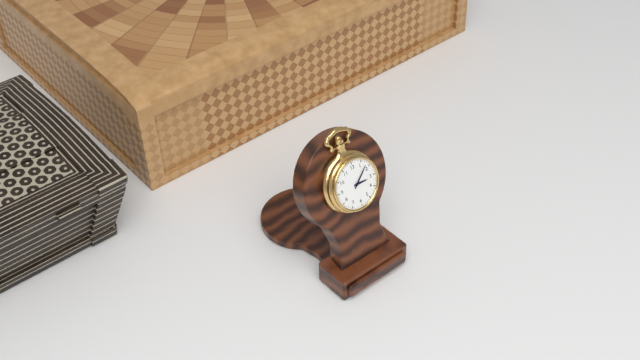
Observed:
{"hour": 3, "minute": 8}
